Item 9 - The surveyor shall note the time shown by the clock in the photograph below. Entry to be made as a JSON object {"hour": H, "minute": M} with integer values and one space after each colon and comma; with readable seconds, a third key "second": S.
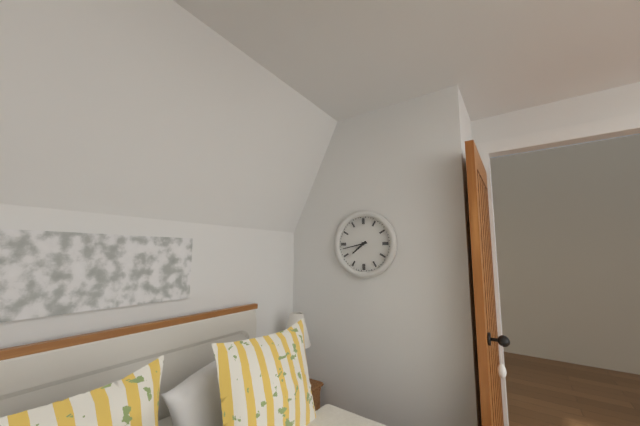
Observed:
{"hour": 7, "minute": 43}
